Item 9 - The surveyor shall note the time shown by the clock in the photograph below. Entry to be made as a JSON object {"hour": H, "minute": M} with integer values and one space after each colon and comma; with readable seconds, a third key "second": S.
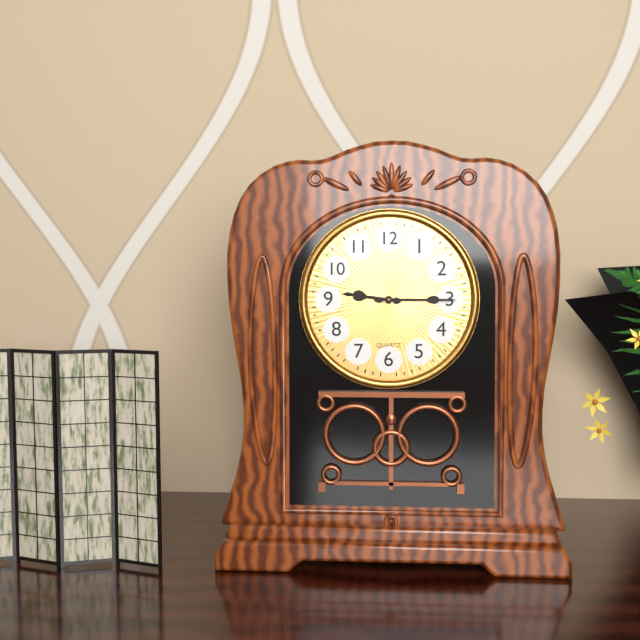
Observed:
{"hour": 9, "minute": 15}
